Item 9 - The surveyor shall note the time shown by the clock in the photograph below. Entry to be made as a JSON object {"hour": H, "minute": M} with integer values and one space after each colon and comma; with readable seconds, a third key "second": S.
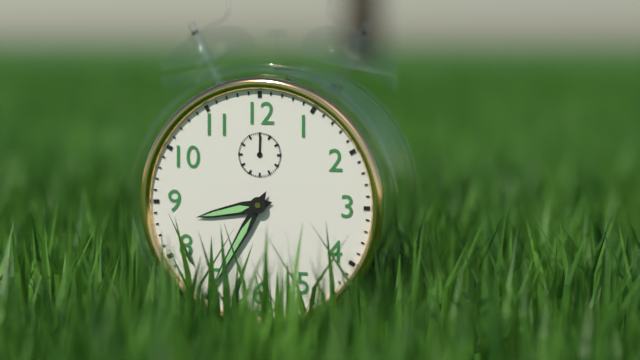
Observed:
{"hour": 8, "minute": 35}
